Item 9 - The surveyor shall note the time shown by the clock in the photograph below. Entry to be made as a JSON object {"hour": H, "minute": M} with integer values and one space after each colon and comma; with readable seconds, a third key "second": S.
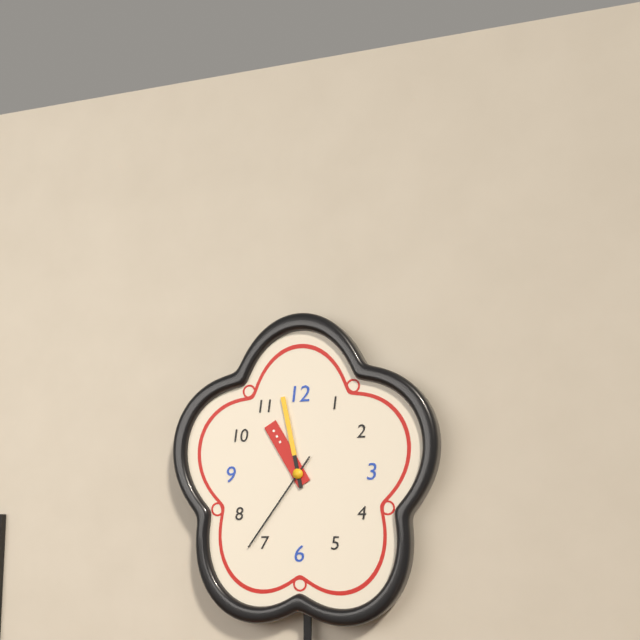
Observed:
{"hour": 10, "minute": 58, "second": 36}
